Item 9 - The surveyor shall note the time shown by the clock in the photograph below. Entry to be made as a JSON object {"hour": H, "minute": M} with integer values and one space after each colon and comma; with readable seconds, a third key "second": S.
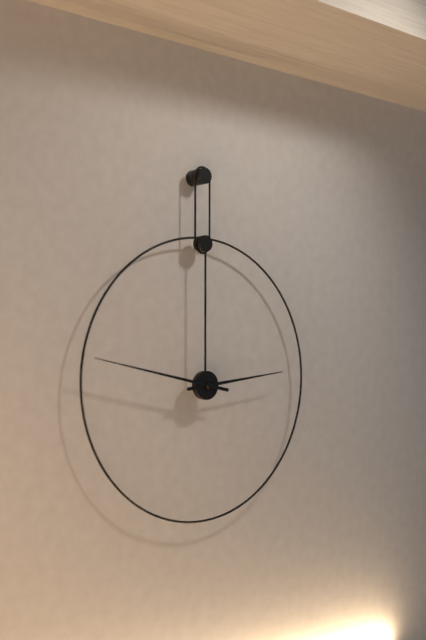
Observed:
{"hour": 2, "minute": 47}
